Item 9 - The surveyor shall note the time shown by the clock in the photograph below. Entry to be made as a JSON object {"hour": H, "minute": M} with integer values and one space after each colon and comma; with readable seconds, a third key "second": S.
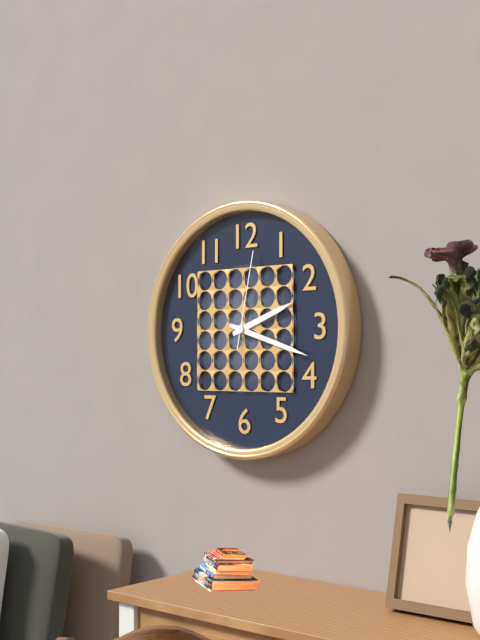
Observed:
{"hour": 2, "minute": 18, "second": 2}
